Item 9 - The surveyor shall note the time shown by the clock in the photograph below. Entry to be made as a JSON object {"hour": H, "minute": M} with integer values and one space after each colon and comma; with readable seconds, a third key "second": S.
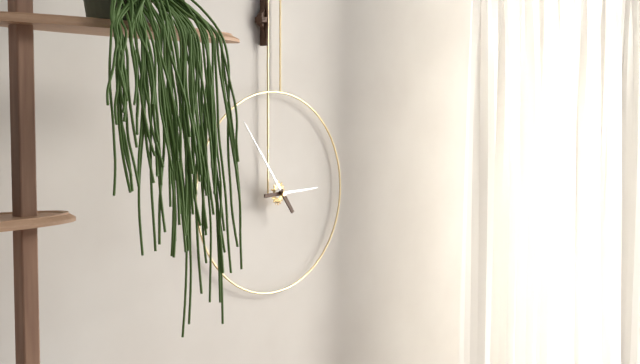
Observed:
{"hour": 2, "minute": 54}
